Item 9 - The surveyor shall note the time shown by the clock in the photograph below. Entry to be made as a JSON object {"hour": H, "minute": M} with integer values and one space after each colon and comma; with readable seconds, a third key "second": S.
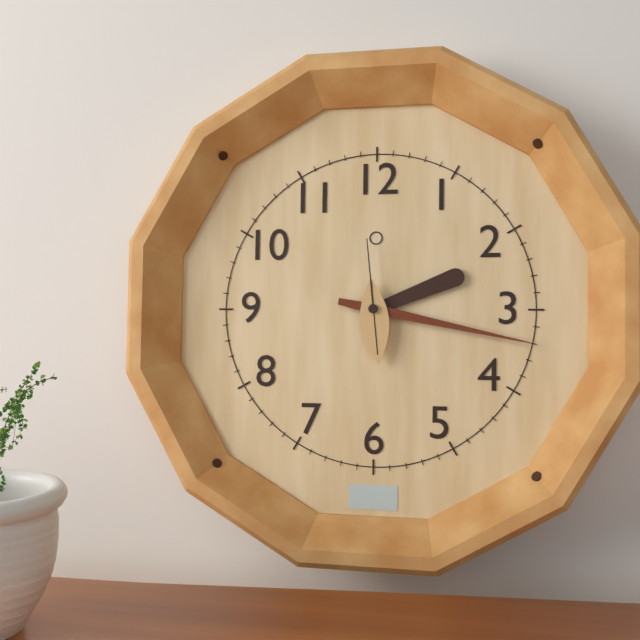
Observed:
{"hour": 2, "minute": 17, "second": 59}
